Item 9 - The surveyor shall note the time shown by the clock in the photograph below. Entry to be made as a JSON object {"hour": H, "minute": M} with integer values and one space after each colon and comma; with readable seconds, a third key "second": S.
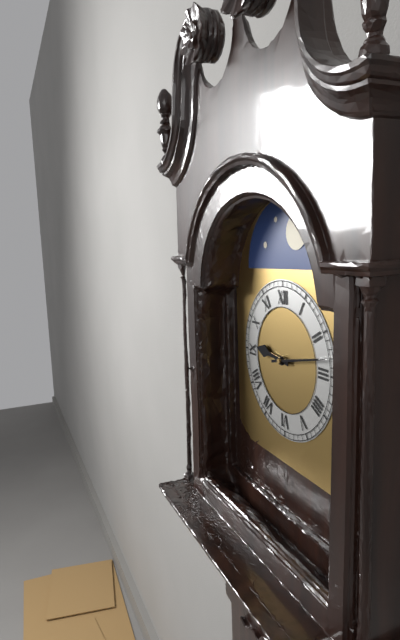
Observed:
{"hour": 9, "minute": 13}
